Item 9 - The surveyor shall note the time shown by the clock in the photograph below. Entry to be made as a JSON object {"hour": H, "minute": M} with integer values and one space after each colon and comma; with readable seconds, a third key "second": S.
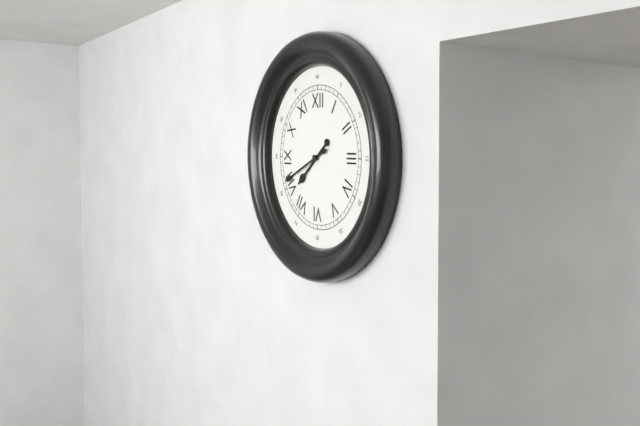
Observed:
{"hour": 7, "minute": 41}
